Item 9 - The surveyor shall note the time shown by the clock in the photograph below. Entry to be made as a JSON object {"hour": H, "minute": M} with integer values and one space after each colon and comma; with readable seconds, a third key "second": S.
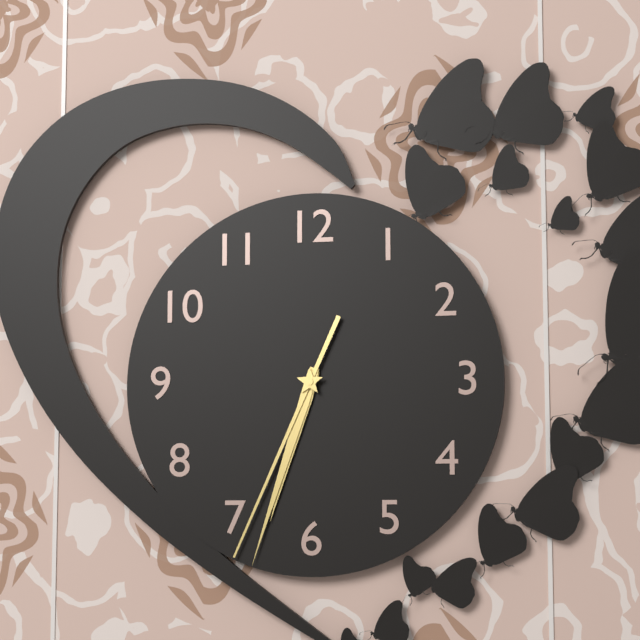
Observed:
{"hour": 6, "minute": 33, "second": 34}
